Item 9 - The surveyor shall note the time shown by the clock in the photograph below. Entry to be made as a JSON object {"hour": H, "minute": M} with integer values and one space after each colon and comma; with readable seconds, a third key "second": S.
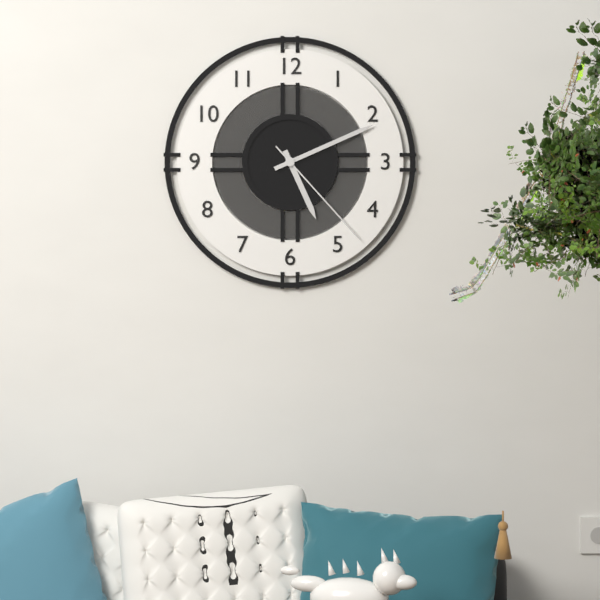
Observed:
{"hour": 5, "minute": 11, "second": 23}
